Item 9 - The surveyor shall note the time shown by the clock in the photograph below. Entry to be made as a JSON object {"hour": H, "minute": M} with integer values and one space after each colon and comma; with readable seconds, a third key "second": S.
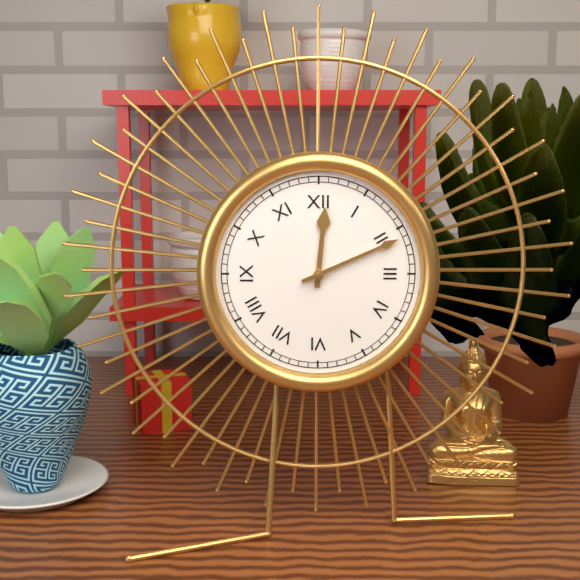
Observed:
{"hour": 12, "minute": 11}
